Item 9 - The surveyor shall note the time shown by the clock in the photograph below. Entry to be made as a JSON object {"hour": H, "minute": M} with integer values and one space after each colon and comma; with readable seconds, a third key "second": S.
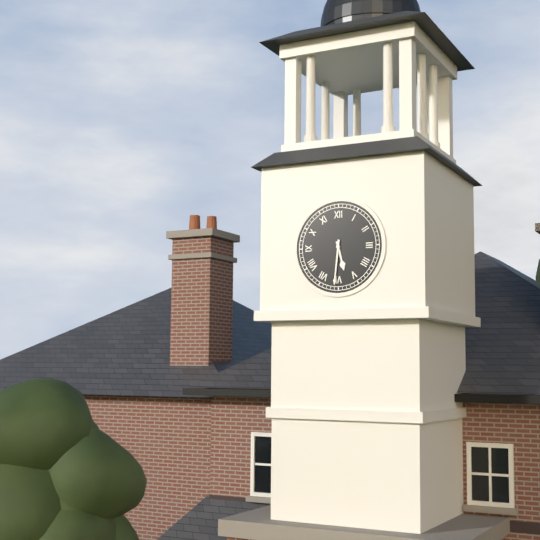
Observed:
{"hour": 5, "minute": 31}
